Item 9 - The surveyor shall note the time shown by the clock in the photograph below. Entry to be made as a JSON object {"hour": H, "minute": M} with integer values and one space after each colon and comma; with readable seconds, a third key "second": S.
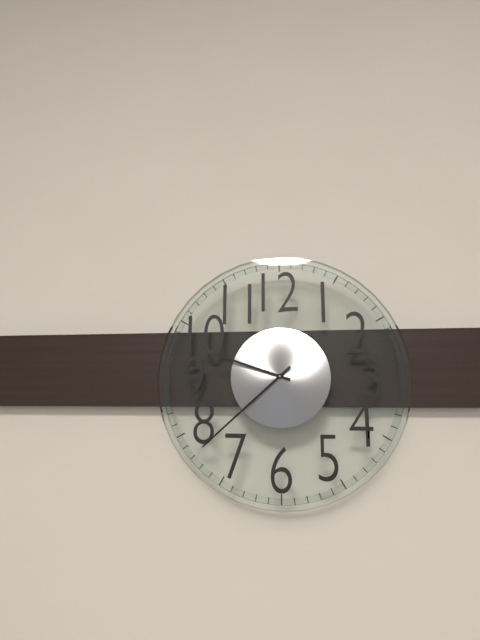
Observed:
{"hour": 9, "minute": 38}
